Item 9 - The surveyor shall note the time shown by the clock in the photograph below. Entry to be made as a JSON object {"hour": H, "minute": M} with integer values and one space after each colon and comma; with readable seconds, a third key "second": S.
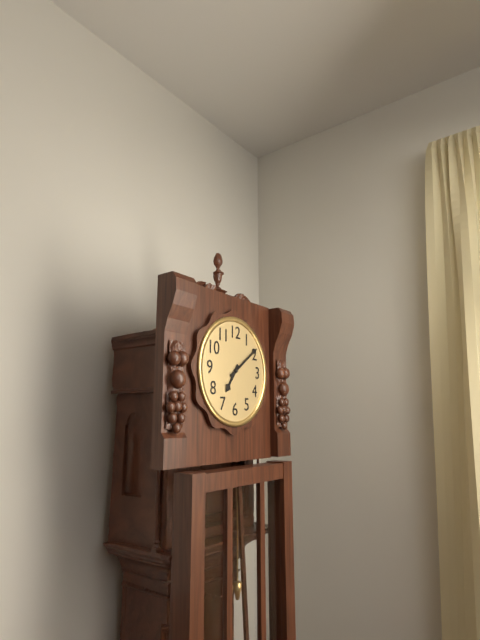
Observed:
{"hour": 7, "minute": 9}
